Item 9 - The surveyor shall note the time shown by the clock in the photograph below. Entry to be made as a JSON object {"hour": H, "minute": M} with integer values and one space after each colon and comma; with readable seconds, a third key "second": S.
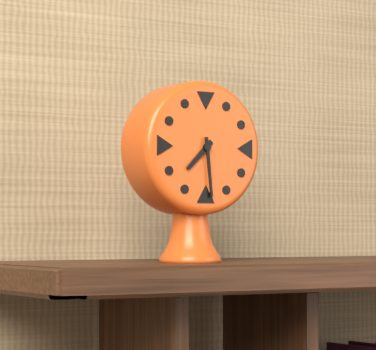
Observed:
{"hour": 7, "minute": 29}
